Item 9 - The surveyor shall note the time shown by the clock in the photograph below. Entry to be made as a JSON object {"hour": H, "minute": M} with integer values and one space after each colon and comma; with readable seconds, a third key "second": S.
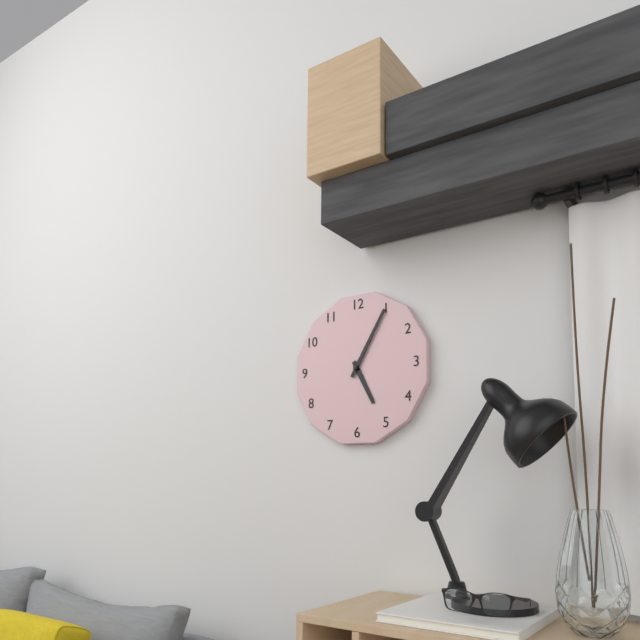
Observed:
{"hour": 5, "minute": 5}
